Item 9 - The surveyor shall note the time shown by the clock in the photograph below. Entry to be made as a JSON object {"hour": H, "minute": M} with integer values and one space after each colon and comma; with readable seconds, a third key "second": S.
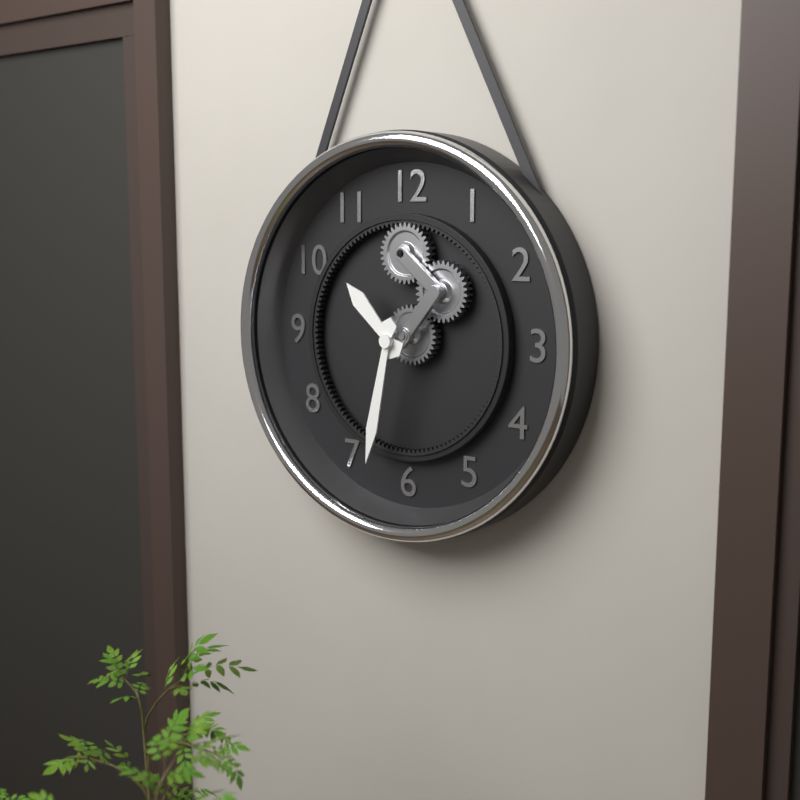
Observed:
{"hour": 10, "minute": 32}
